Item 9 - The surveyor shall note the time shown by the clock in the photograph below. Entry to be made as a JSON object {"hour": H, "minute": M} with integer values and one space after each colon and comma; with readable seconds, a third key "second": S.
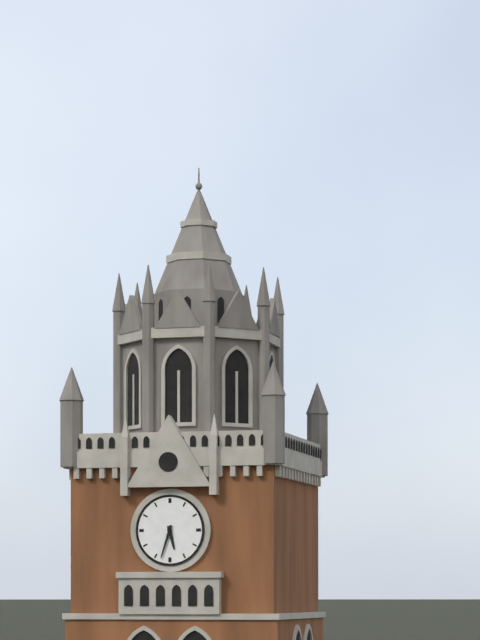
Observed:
{"hour": 5, "minute": 33}
